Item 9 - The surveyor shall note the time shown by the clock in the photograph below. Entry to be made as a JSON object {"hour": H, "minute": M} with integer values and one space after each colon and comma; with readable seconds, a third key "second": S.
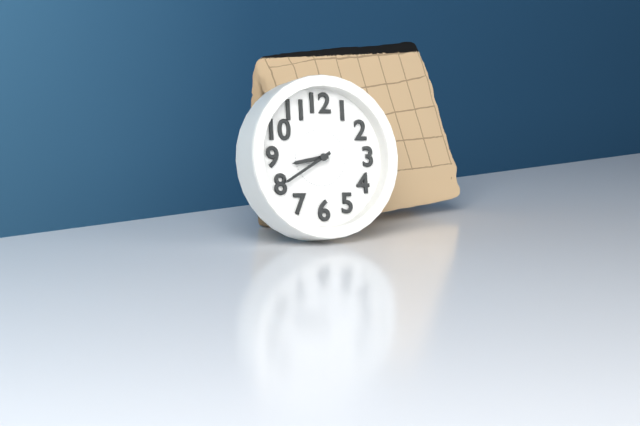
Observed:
{"hour": 8, "minute": 40}
